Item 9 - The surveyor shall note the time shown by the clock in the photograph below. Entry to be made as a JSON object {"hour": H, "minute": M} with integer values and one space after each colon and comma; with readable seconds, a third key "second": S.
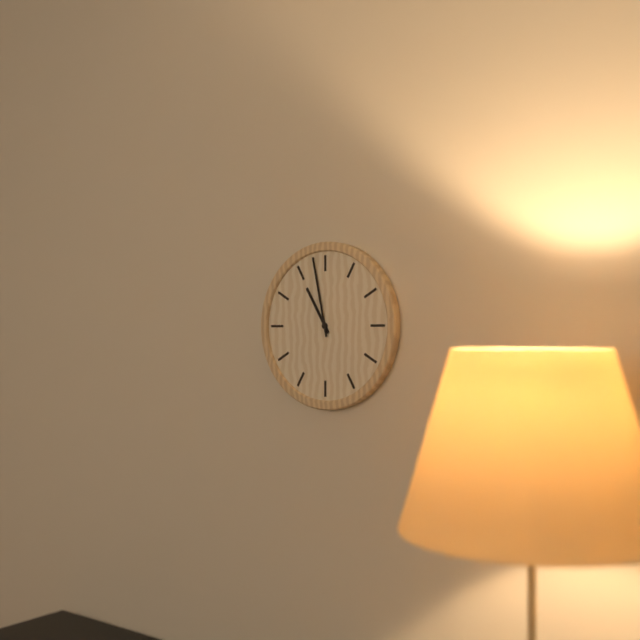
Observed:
{"hour": 10, "minute": 58}
